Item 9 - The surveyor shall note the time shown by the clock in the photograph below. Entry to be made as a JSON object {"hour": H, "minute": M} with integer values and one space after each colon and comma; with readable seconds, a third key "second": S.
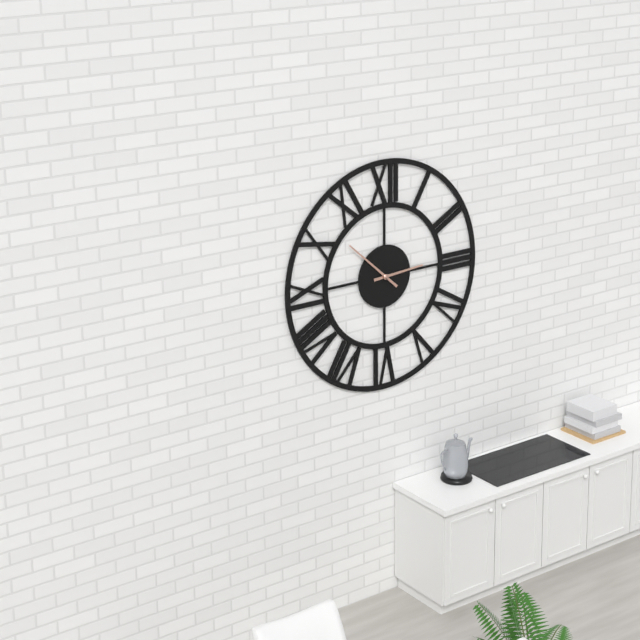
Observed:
{"hour": 2, "minute": 52}
